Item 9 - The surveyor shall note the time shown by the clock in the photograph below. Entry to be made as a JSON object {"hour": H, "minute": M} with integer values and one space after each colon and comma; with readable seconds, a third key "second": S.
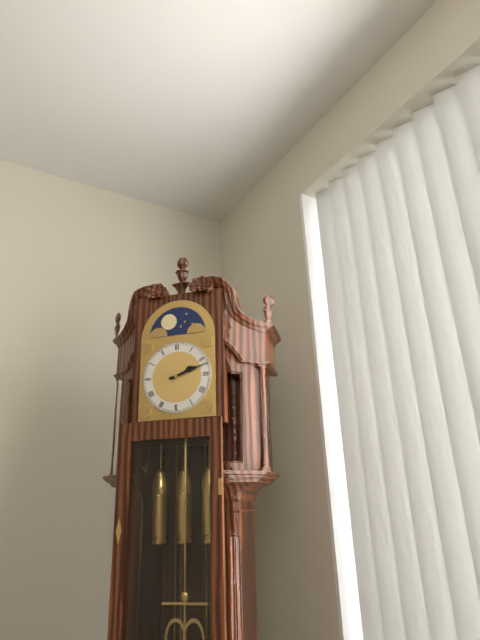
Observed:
{"hour": 2, "minute": 12}
